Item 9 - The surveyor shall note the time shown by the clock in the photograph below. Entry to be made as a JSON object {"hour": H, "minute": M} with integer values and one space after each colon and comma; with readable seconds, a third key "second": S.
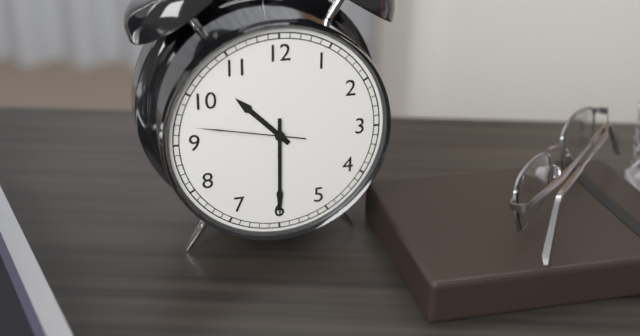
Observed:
{"hour": 10, "minute": 30, "second": 47}
